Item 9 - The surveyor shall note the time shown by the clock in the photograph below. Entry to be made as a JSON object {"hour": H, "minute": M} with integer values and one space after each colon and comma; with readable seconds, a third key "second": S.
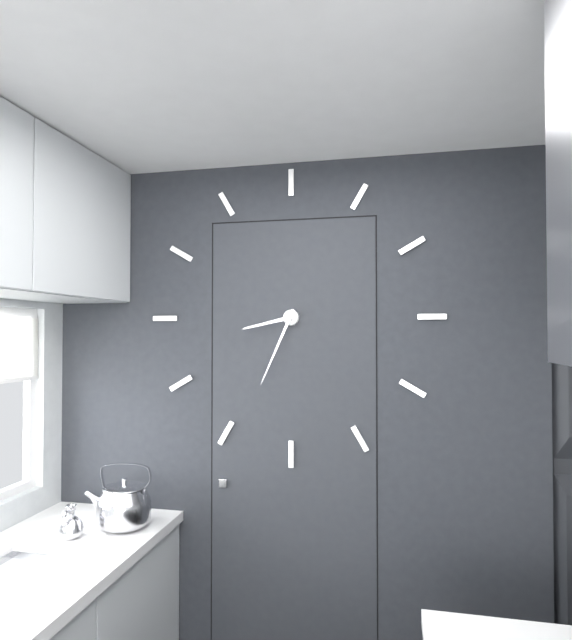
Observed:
{"hour": 8, "minute": 34}
